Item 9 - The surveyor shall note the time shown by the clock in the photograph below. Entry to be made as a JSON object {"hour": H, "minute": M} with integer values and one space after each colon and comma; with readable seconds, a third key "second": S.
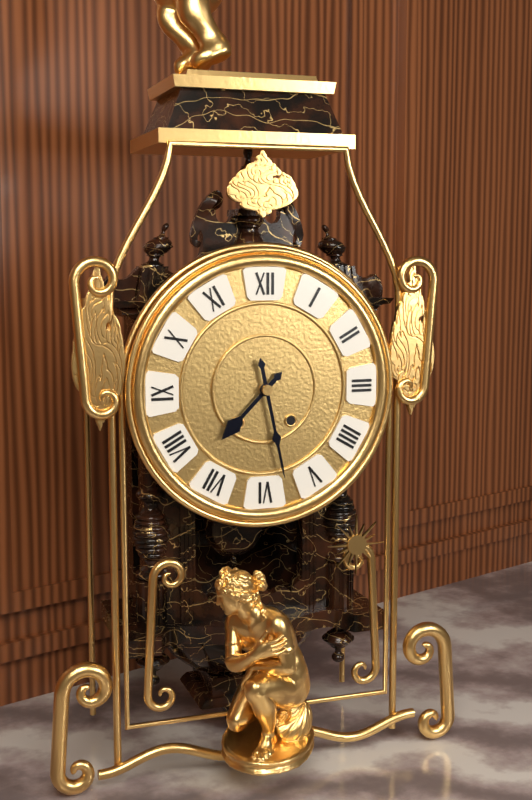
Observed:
{"hour": 7, "minute": 28}
